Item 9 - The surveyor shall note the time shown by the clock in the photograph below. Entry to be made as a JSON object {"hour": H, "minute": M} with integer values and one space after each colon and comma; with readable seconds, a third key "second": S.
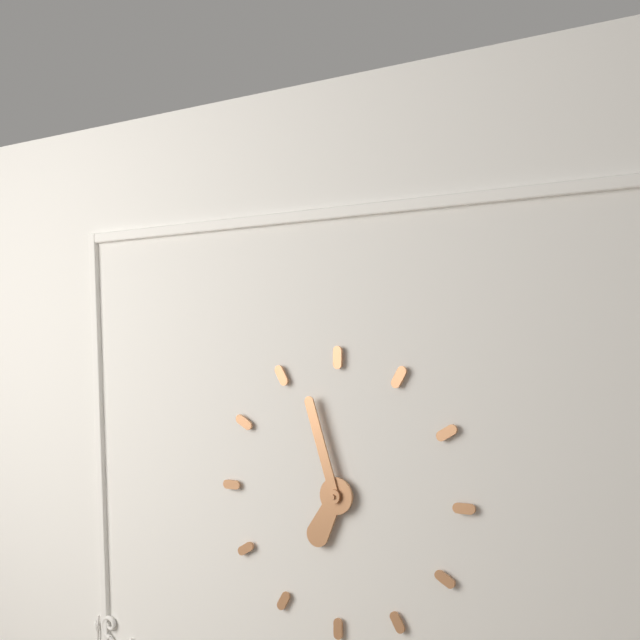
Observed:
{"hour": 6, "minute": 57}
